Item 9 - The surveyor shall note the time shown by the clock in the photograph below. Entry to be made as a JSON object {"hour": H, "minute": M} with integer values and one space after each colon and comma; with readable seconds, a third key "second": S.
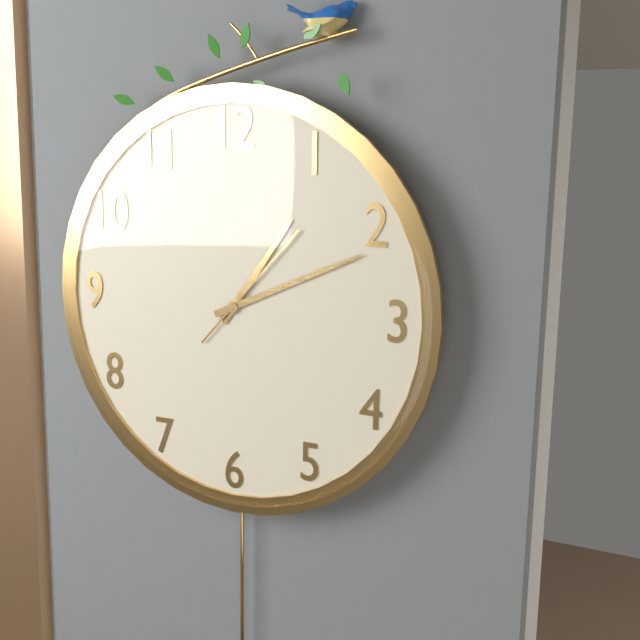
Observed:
{"hour": 1, "minute": 11, "second": 7}
